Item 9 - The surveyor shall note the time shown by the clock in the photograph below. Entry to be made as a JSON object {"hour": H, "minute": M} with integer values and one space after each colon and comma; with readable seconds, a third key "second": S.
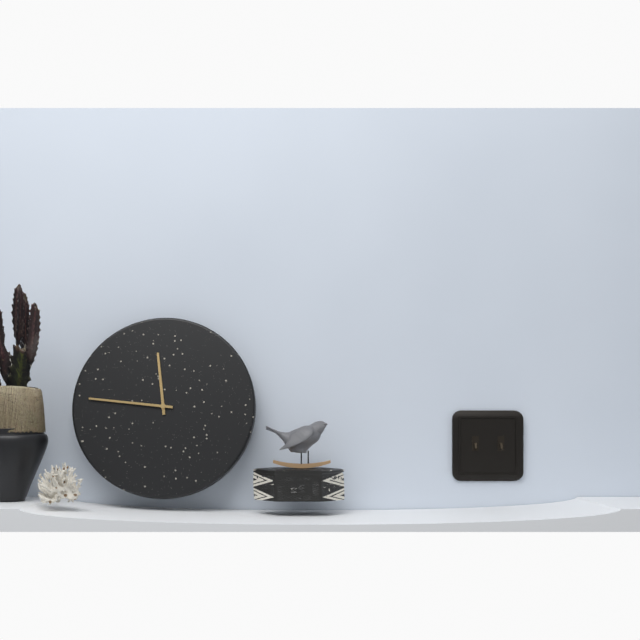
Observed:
{"hour": 11, "minute": 46}
